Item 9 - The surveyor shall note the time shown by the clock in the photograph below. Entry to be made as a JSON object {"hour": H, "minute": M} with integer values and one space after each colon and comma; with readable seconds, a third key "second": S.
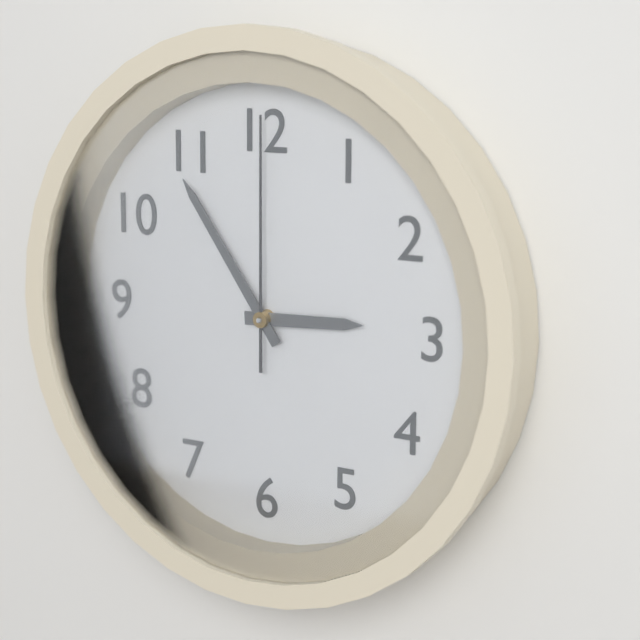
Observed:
{"hour": 2, "minute": 54, "second": 0}
